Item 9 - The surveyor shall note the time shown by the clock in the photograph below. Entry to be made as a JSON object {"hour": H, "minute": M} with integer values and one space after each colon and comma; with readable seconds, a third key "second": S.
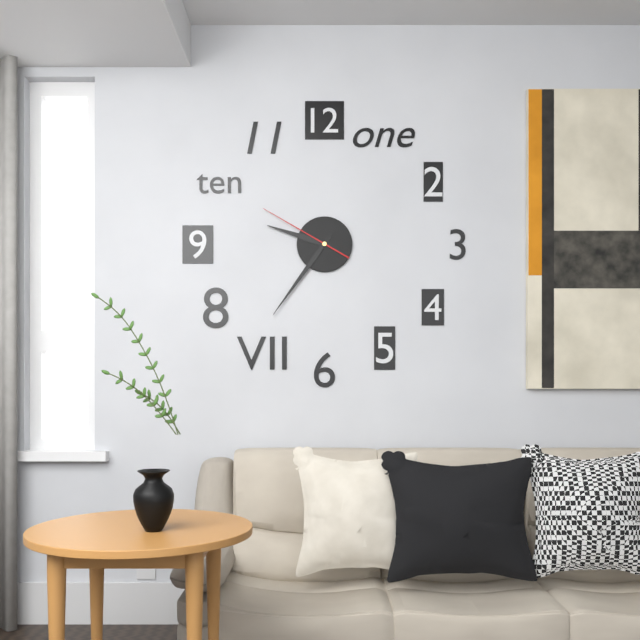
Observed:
{"hour": 9, "minute": 36, "second": 50}
